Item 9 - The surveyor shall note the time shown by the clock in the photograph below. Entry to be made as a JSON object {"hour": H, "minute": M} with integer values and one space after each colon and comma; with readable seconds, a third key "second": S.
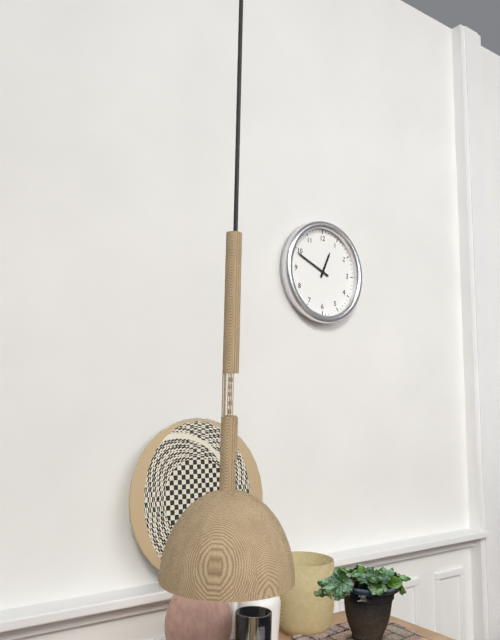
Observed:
{"hour": 12, "minute": 49}
